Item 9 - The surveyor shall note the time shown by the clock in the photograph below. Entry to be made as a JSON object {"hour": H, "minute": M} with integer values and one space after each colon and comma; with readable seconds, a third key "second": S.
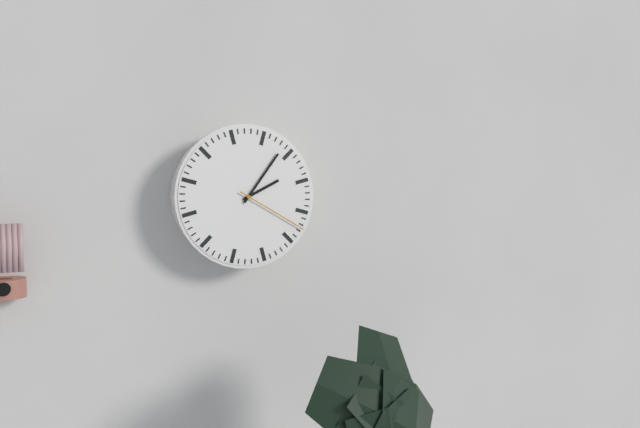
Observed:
{"hour": 2, "minute": 6, "second": 20}
